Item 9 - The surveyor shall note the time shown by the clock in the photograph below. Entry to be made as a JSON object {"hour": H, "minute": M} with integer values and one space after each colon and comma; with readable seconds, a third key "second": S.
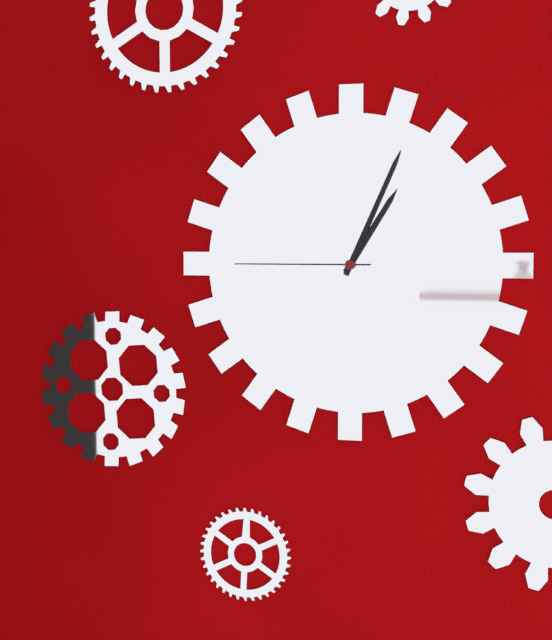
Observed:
{"hour": 1, "minute": 4, "second": 45}
